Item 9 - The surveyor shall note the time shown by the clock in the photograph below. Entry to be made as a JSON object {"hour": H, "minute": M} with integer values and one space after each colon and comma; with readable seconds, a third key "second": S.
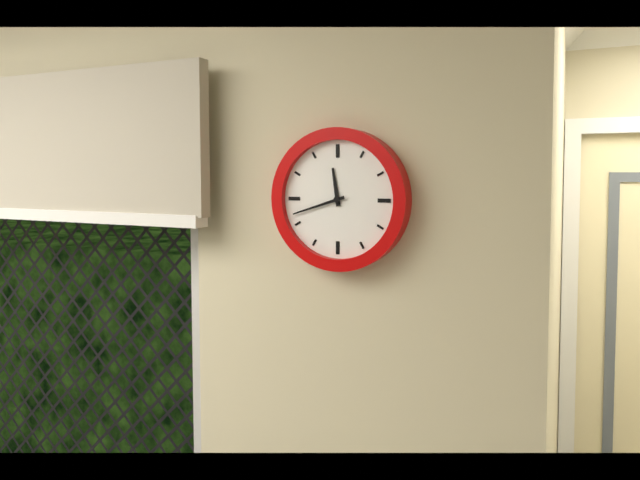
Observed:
{"hour": 11, "minute": 42}
